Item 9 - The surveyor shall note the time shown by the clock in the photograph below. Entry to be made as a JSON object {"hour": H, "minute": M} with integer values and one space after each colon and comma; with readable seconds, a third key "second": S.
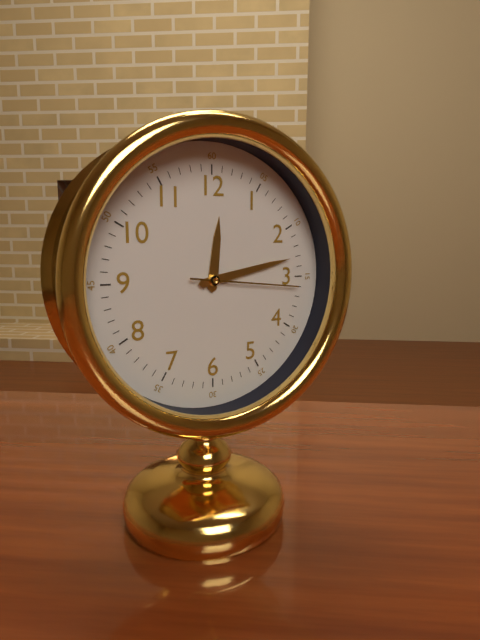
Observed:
{"hour": 12, "minute": 13, "second": 16}
